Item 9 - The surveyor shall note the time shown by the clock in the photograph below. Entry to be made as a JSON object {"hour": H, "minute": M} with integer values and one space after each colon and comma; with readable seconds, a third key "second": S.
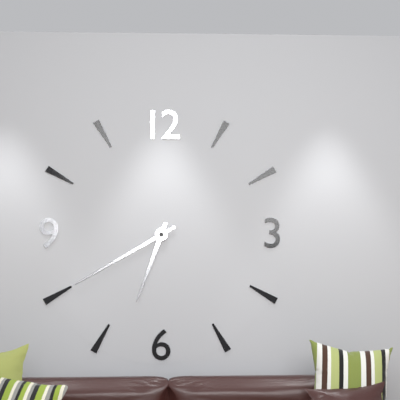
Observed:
{"hour": 6, "minute": 40}
